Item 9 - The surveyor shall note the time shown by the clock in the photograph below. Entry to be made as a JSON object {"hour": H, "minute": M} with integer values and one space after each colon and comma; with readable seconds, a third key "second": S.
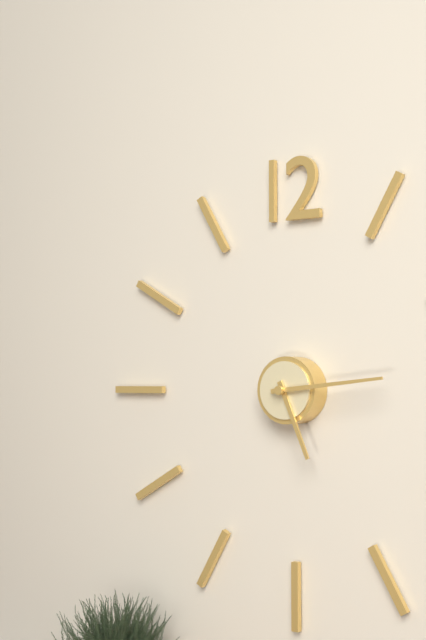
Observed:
{"hour": 5, "minute": 14}
